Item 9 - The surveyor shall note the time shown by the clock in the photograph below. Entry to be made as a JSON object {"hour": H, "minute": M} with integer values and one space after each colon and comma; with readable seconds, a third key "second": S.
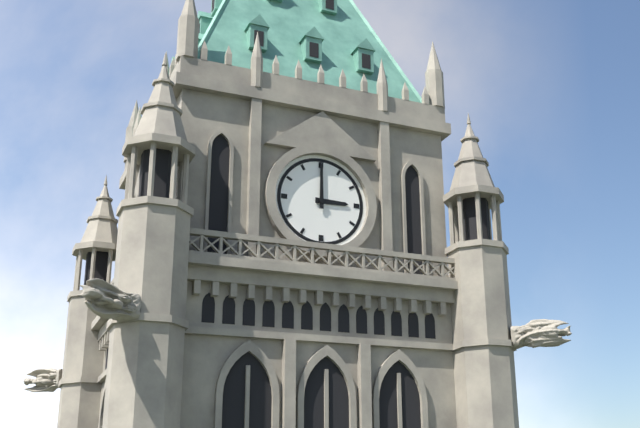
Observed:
{"hour": 3, "minute": 0}
